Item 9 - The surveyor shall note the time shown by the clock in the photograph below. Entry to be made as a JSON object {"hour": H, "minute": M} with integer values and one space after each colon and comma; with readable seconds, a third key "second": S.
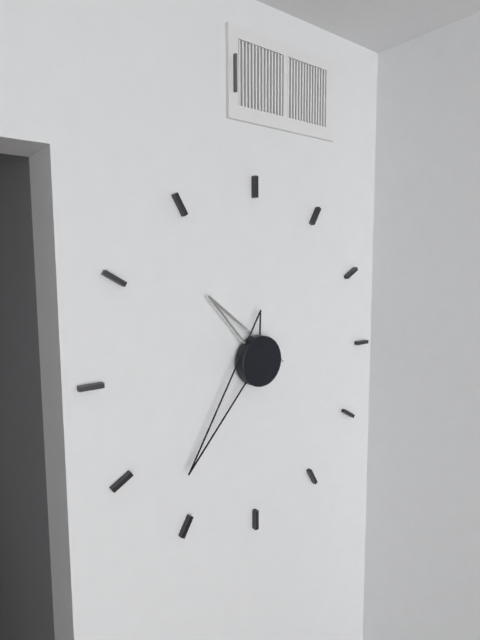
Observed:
{"hour": 10, "minute": 37}
